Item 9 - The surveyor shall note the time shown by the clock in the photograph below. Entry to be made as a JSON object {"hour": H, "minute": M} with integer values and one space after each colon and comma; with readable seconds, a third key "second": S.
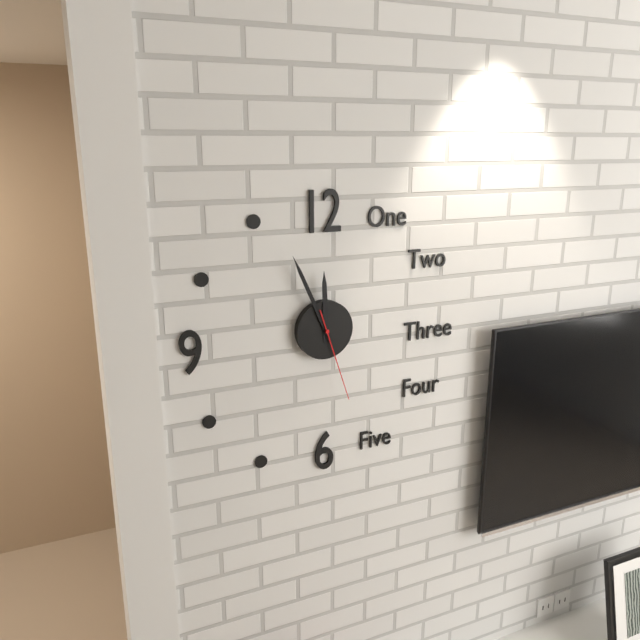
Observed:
{"hour": 11, "minute": 56, "second": 27}
